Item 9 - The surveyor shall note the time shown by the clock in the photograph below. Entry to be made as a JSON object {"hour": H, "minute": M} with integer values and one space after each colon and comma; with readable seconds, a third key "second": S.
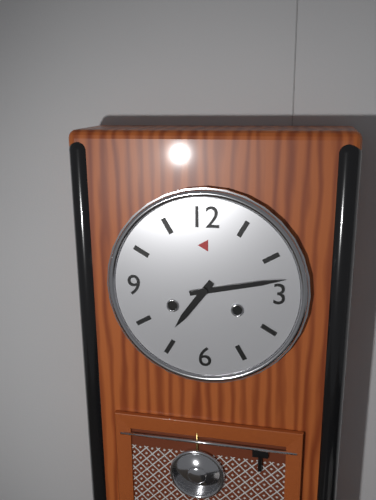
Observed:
{"hour": 7, "minute": 13}
